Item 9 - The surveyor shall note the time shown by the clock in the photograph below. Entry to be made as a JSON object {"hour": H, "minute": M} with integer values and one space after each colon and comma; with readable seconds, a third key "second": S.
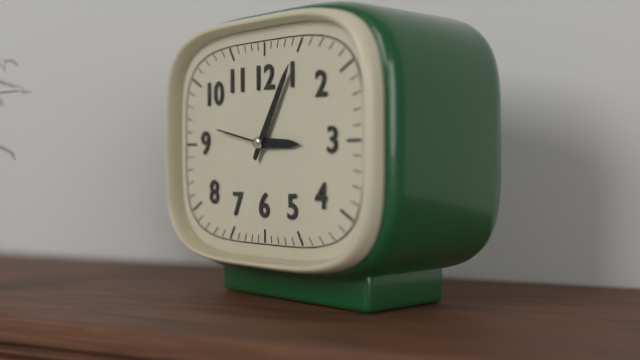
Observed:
{"hour": 3, "minute": 5, "second": 47}
